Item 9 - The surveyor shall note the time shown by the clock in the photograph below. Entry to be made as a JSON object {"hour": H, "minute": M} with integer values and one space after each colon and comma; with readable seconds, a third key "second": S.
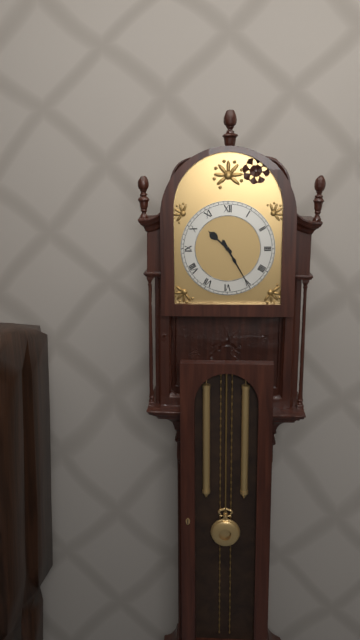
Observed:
{"hour": 10, "minute": 25}
